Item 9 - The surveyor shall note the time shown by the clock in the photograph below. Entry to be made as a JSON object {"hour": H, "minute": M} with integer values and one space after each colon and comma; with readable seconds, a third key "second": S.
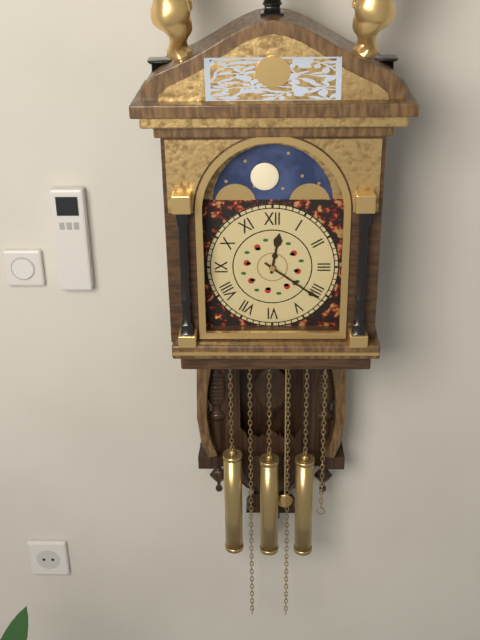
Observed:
{"hour": 12, "minute": 21}
